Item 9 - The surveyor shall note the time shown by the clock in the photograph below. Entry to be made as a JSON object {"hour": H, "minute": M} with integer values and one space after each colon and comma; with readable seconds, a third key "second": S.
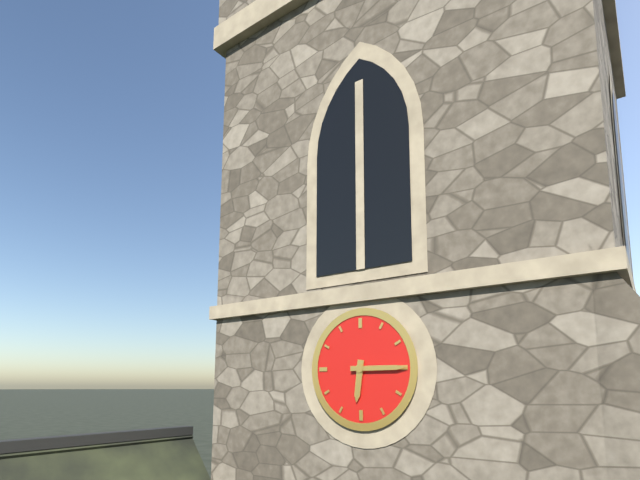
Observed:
{"hour": 6, "minute": 15}
